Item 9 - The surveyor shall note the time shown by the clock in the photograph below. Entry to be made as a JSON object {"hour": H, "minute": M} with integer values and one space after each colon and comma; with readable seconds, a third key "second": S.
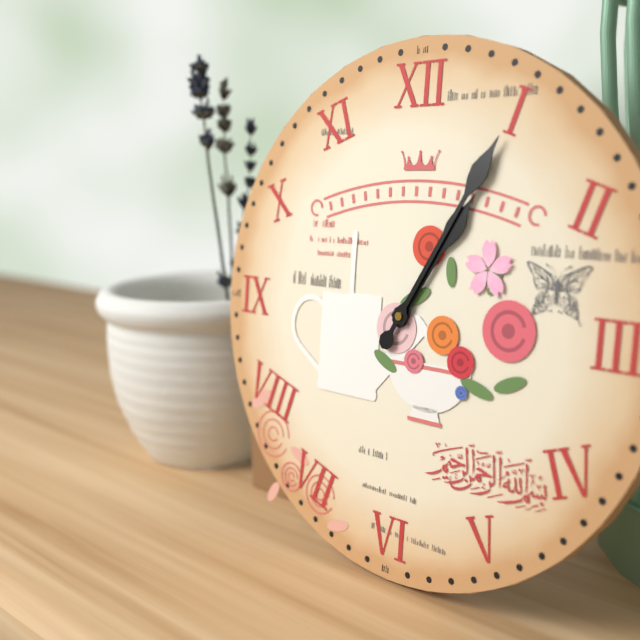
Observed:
{"hour": 1, "minute": 5}
